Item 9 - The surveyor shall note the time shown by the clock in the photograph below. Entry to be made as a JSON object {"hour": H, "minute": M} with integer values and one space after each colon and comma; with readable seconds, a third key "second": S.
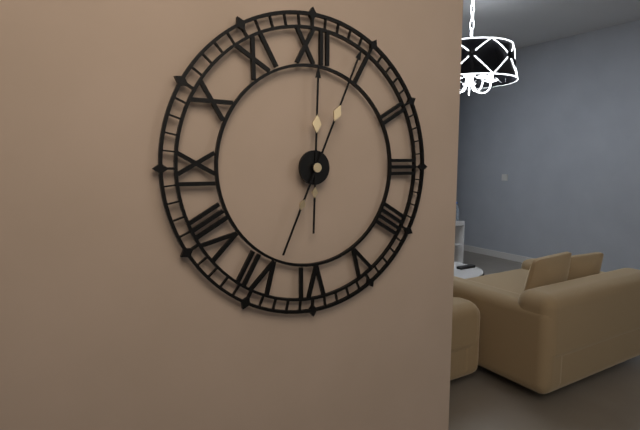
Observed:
{"hour": 12, "minute": 4}
